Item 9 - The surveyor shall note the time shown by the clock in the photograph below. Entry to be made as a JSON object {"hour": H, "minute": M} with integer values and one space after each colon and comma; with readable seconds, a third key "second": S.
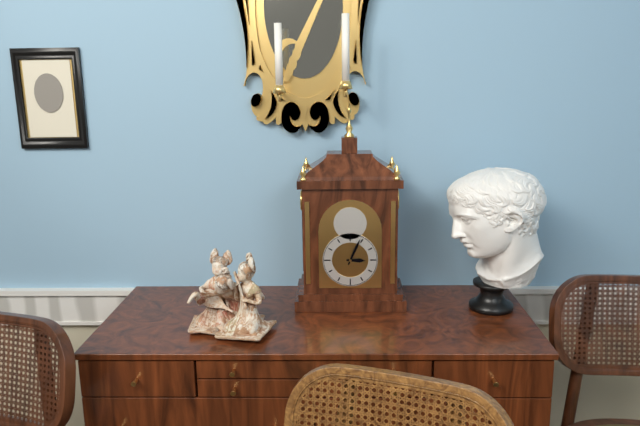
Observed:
{"hour": 3, "minute": 4}
